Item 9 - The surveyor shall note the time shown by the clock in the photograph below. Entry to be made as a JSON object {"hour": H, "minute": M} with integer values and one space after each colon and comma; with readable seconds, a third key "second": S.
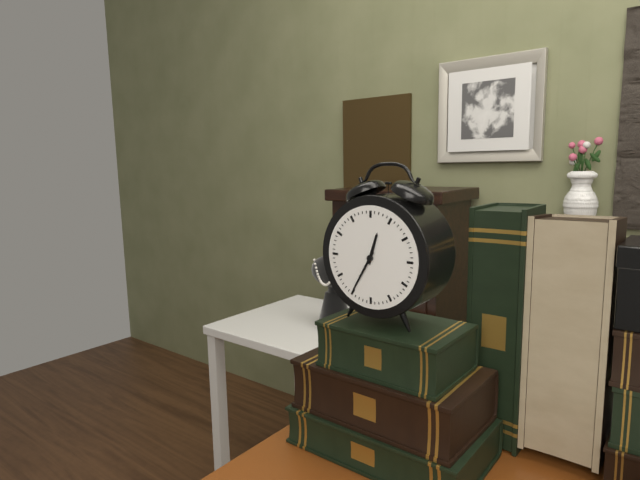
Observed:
{"hour": 12, "minute": 35}
